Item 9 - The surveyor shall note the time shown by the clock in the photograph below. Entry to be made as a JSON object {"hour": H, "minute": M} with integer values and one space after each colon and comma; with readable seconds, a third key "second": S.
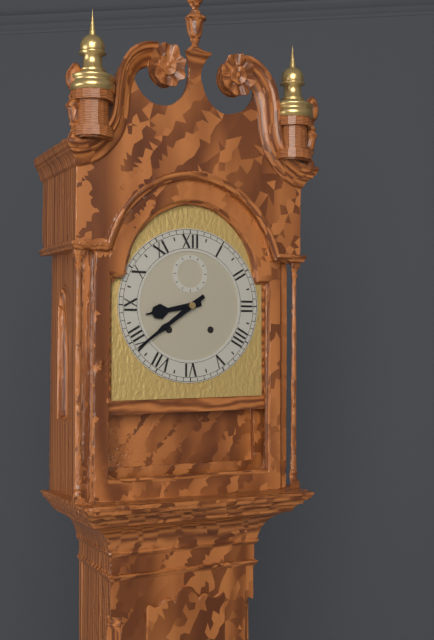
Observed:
{"hour": 8, "minute": 39}
